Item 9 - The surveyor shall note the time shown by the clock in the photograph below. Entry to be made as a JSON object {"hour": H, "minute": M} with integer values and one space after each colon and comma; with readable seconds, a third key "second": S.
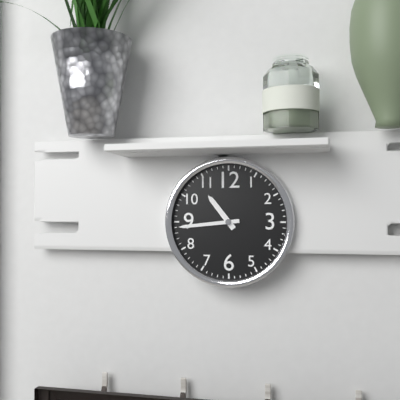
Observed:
{"hour": 10, "minute": 44}
